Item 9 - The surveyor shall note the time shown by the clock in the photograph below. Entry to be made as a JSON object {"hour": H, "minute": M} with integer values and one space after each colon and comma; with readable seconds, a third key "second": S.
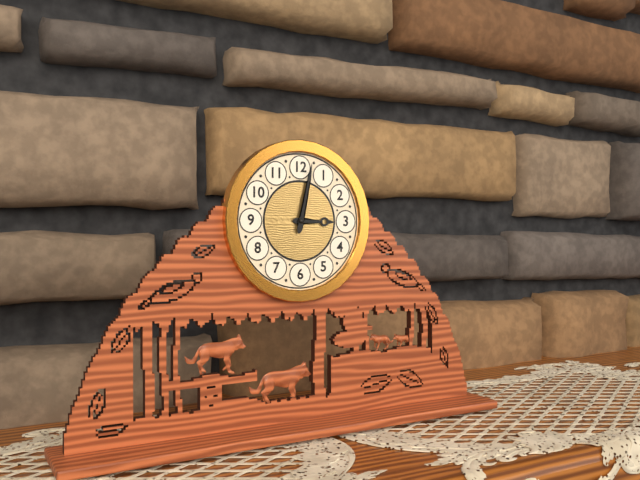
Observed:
{"hour": 3, "minute": 2}
